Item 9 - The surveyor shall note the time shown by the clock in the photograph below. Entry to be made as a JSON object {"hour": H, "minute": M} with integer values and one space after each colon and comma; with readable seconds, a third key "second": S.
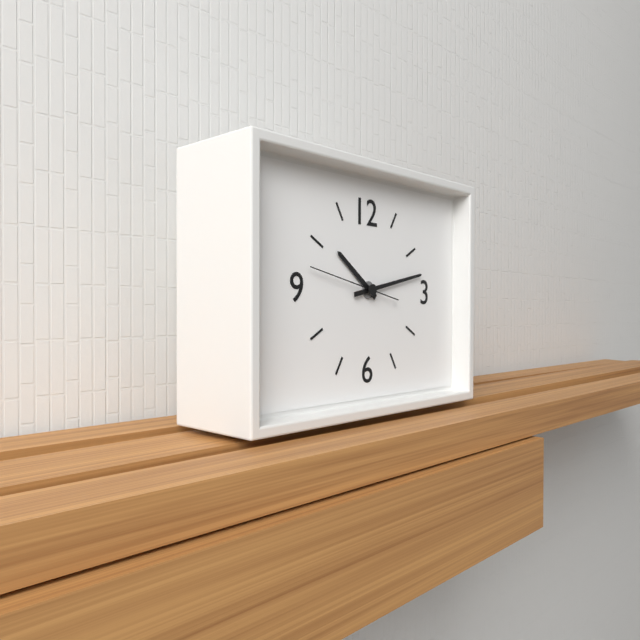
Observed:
{"hour": 10, "minute": 13, "second": 47}
